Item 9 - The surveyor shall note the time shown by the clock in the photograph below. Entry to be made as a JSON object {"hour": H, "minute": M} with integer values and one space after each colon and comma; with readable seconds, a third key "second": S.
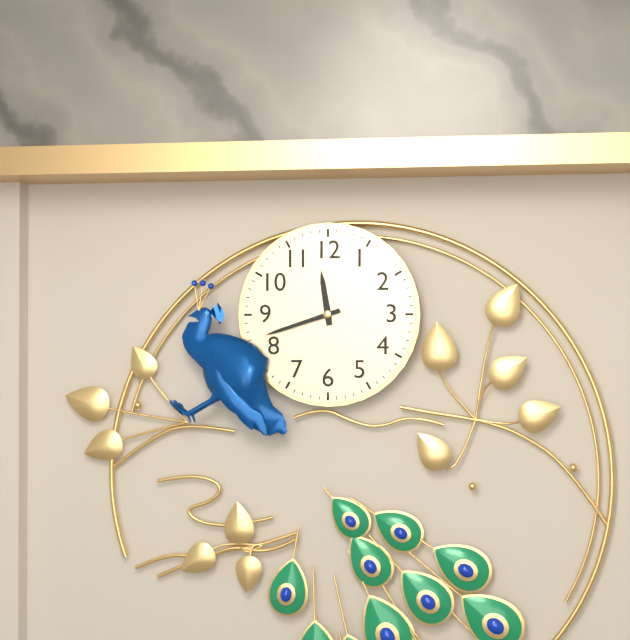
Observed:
{"hour": 11, "minute": 42}
